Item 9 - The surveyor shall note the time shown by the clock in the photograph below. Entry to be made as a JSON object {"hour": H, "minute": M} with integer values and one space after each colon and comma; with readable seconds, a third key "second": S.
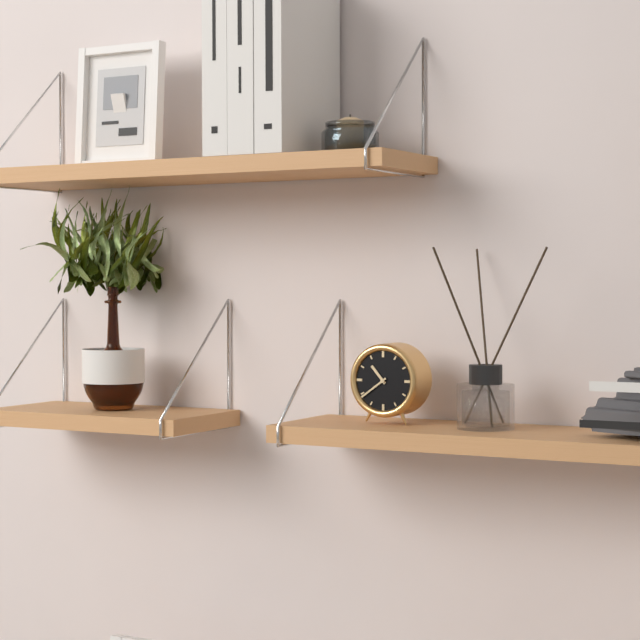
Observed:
{"hour": 10, "minute": 39}
